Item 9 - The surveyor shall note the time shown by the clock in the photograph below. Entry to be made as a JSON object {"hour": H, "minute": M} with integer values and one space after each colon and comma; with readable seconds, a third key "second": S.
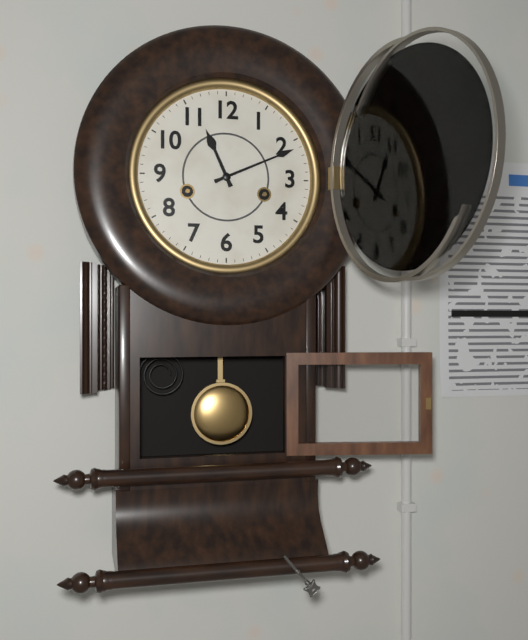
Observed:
{"hour": 11, "minute": 11}
